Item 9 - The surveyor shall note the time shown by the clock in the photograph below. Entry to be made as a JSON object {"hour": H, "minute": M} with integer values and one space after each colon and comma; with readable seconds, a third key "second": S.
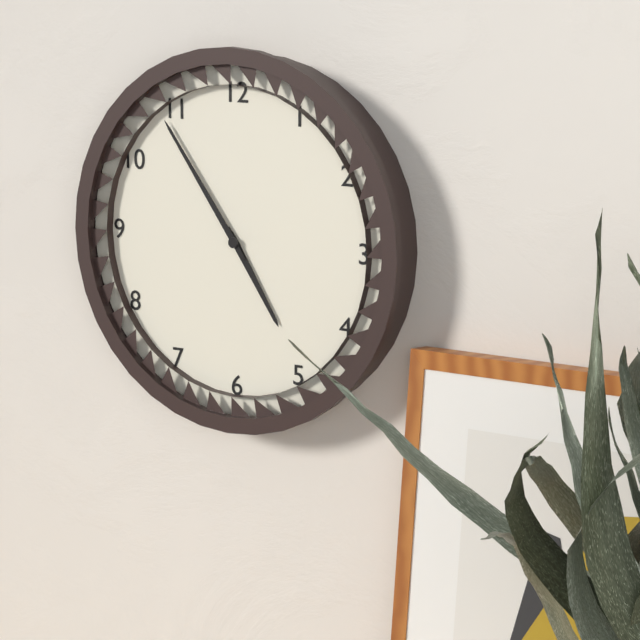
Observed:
{"hour": 4, "minute": 54}
